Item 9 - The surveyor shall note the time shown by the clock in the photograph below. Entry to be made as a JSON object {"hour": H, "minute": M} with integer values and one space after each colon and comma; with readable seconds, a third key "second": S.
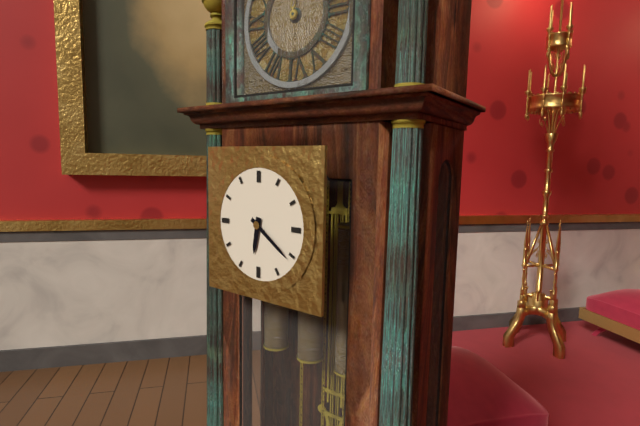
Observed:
{"hour": 6, "minute": 21}
